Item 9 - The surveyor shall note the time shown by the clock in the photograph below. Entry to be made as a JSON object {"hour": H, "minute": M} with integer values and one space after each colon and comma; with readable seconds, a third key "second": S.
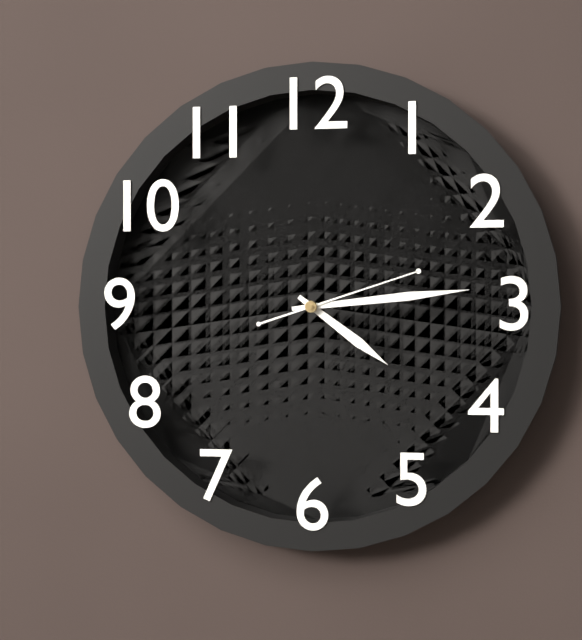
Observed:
{"hour": 4, "minute": 14, "second": 12}
